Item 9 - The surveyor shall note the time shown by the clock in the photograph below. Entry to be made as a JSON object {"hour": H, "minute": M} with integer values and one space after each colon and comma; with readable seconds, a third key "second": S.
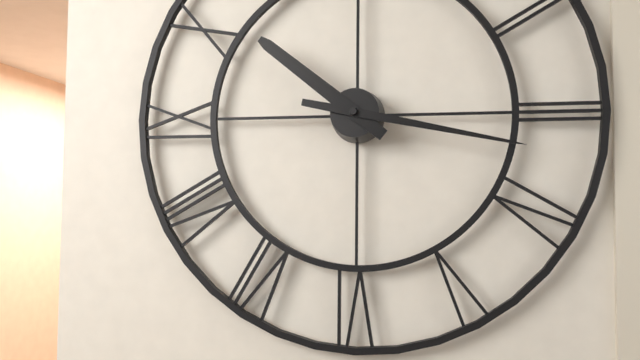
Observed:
{"hour": 10, "minute": 17}
